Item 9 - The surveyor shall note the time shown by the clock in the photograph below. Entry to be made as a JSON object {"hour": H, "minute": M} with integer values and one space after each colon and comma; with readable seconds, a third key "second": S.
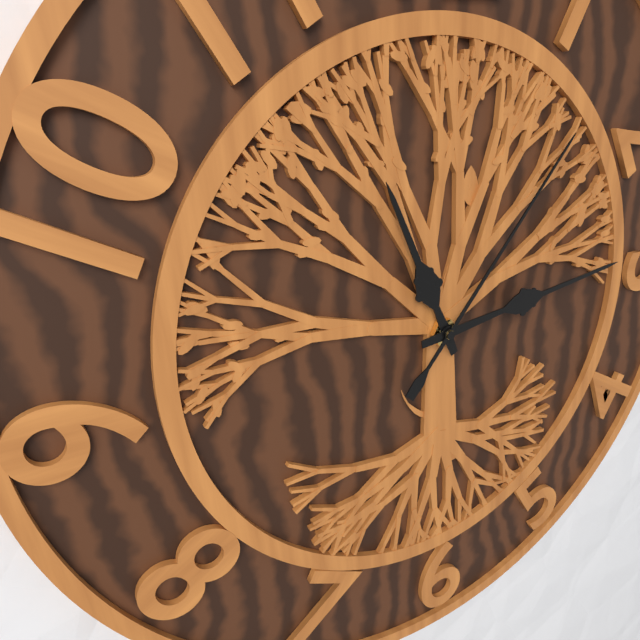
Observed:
{"hour": 11, "minute": 14, "second": 7}
